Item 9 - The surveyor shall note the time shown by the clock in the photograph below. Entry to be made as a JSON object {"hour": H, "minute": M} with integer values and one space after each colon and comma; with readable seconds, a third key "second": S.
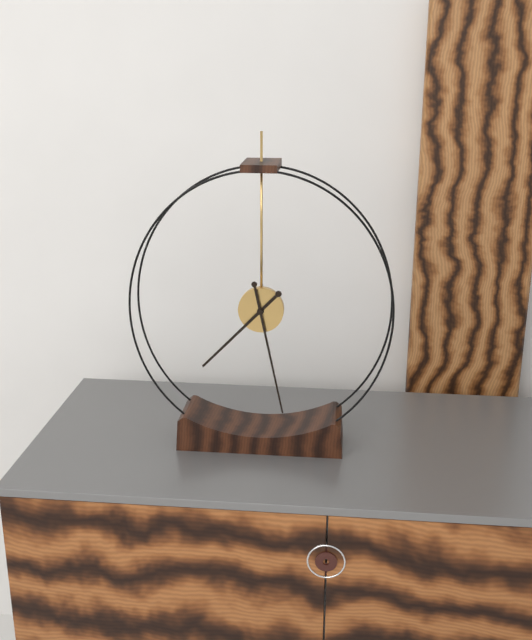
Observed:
{"hour": 7, "minute": 28}
